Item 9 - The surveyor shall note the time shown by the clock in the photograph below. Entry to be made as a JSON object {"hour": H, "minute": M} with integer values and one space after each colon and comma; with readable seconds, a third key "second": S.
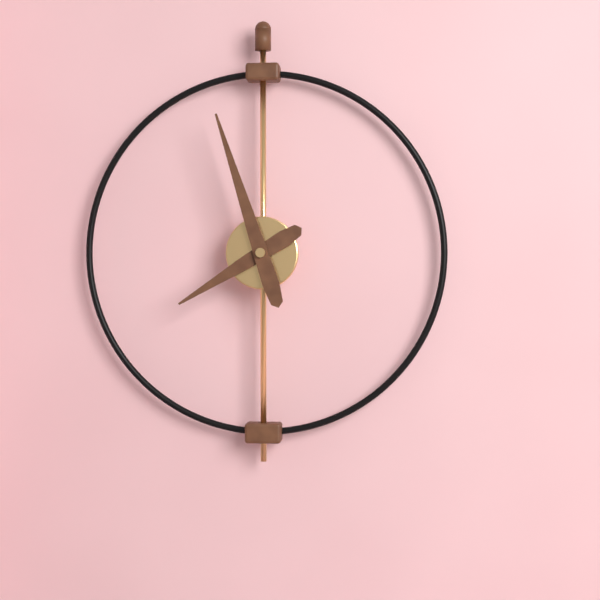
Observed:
{"hour": 7, "minute": 57}
